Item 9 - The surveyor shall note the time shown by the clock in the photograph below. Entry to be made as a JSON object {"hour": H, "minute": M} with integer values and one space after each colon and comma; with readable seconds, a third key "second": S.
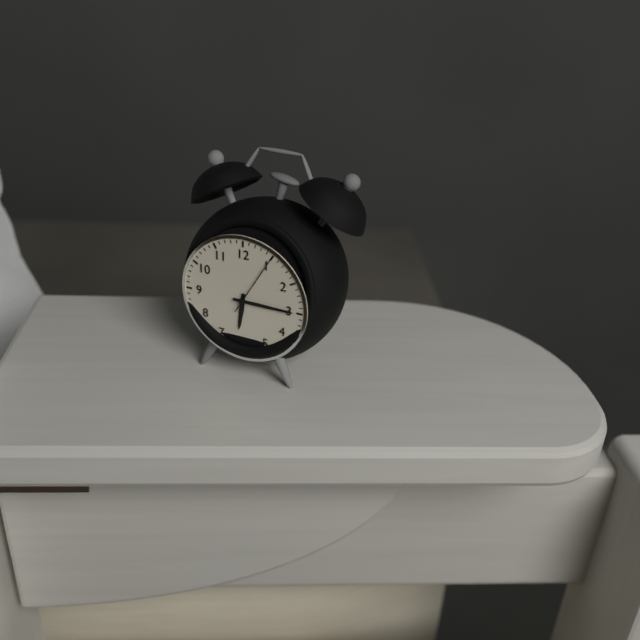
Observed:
{"hour": 6, "minute": 15, "second": 5}
